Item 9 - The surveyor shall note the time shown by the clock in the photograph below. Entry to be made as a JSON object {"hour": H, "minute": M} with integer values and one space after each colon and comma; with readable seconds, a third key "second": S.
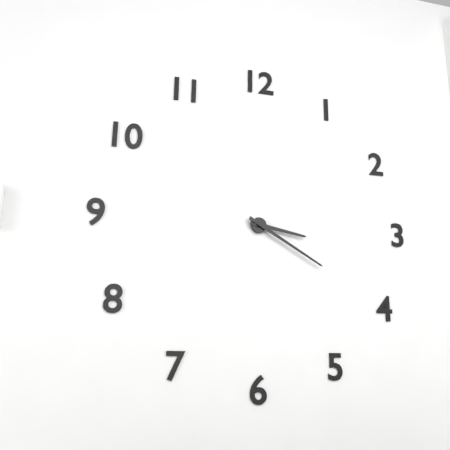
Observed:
{"hour": 3, "minute": 20}
